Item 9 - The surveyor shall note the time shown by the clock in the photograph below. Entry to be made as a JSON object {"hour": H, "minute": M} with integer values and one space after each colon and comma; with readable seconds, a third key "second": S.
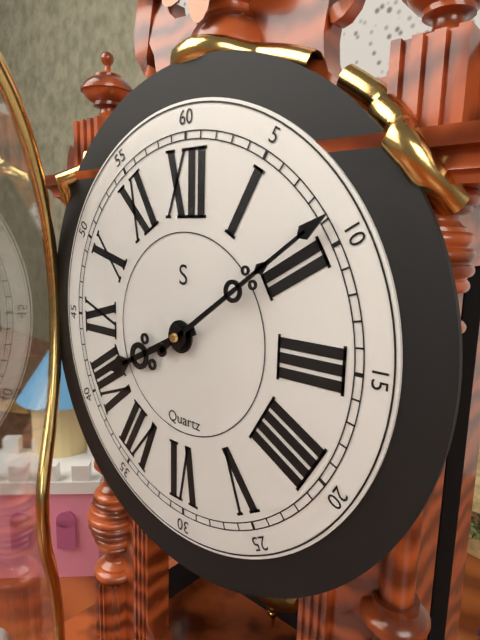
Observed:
{"hour": 8, "minute": 9}
